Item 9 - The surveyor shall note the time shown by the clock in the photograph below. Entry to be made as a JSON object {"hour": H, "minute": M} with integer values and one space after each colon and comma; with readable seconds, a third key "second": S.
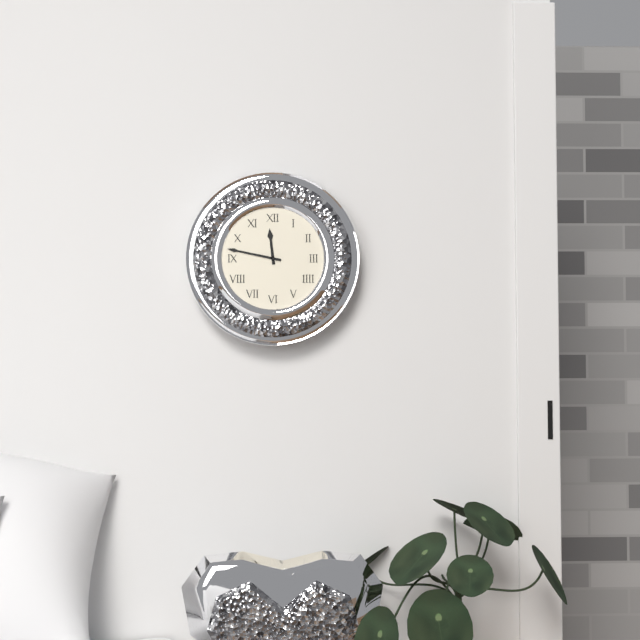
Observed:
{"hour": 11, "minute": 47}
